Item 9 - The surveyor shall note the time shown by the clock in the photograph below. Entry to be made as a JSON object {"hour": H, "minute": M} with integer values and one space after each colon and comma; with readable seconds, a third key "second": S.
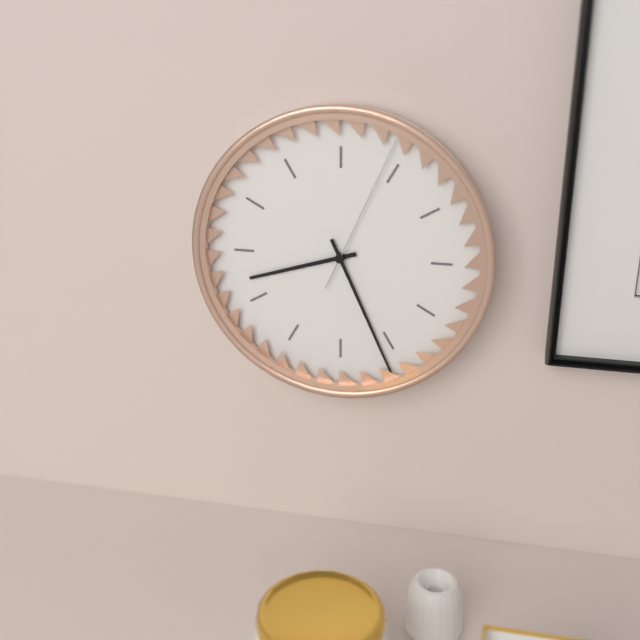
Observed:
{"hour": 8, "minute": 26, "second": 4}
